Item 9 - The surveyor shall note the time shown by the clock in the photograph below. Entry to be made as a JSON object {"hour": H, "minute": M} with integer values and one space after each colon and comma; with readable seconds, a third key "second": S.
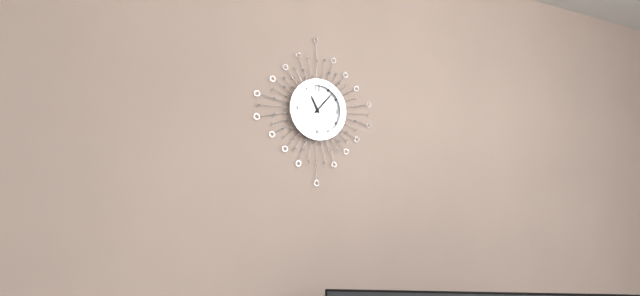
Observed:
{"hour": 11, "minute": 7}
